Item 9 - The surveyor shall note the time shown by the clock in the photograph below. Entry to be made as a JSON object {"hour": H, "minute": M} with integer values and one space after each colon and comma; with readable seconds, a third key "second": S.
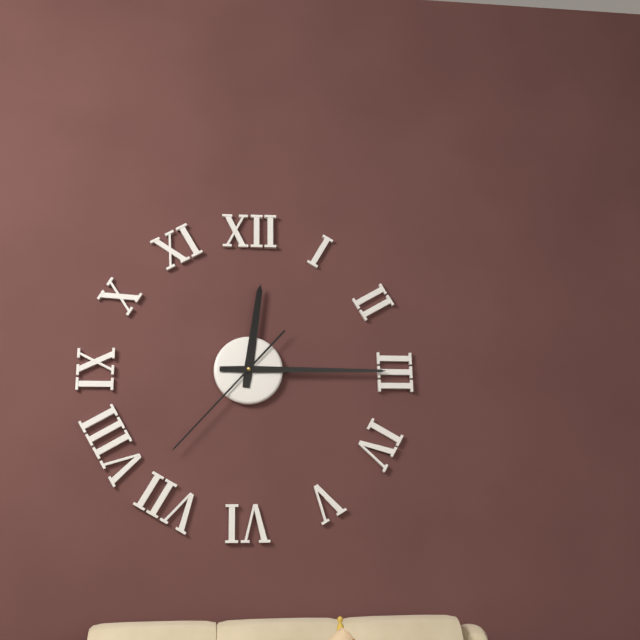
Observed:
{"hour": 12, "minute": 15, "second": 37}
